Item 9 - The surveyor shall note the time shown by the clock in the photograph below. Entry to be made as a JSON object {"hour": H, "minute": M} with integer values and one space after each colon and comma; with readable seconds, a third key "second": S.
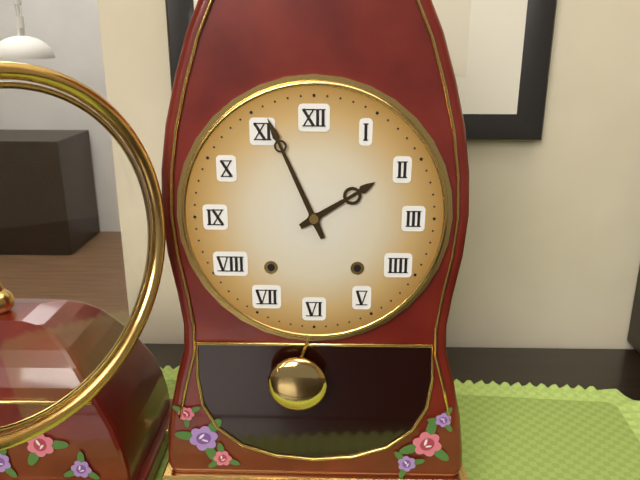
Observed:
{"hour": 1, "minute": 56}
